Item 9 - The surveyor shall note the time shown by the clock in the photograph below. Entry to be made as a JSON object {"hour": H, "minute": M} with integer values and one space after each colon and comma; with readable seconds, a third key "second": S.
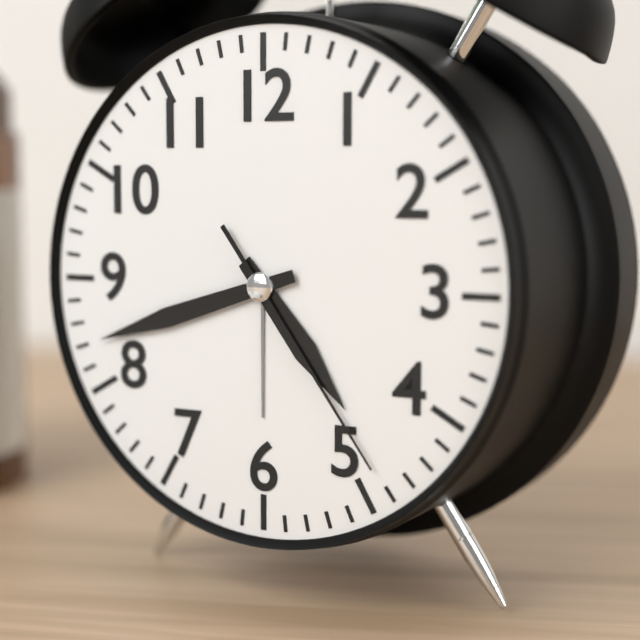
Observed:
{"hour": 4, "minute": 42, "second": 24}
